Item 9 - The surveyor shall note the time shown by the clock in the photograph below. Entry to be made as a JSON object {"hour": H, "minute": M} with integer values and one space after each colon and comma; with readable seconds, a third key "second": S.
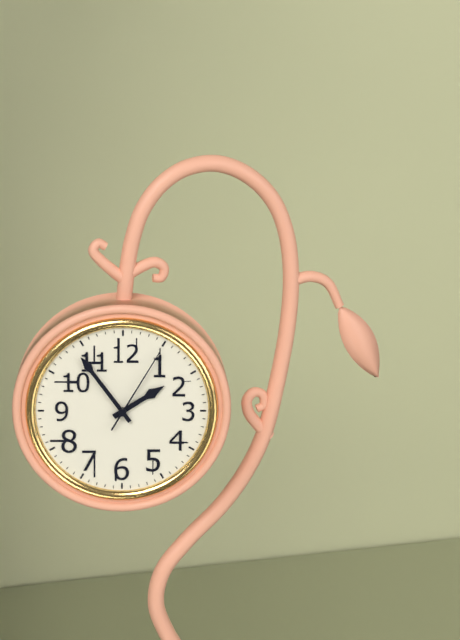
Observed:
{"hour": 1, "minute": 54, "second": 5}
